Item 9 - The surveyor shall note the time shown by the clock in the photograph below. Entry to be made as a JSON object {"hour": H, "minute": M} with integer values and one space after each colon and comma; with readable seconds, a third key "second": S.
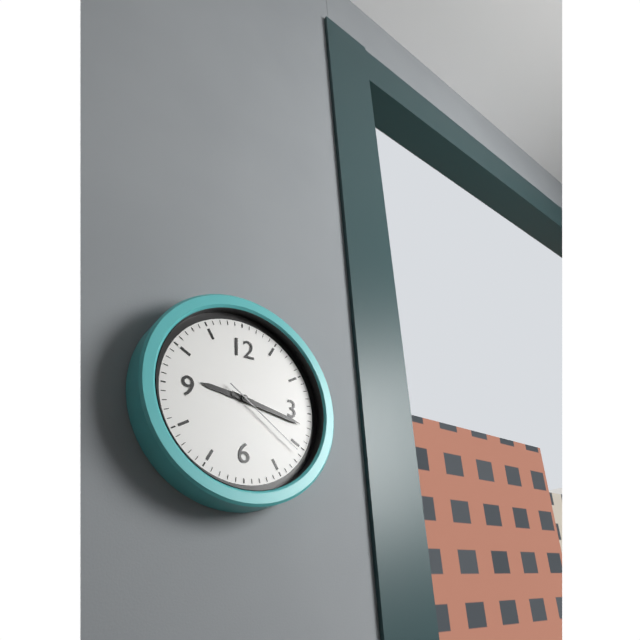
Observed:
{"hour": 9, "minute": 17, "second": 21}
